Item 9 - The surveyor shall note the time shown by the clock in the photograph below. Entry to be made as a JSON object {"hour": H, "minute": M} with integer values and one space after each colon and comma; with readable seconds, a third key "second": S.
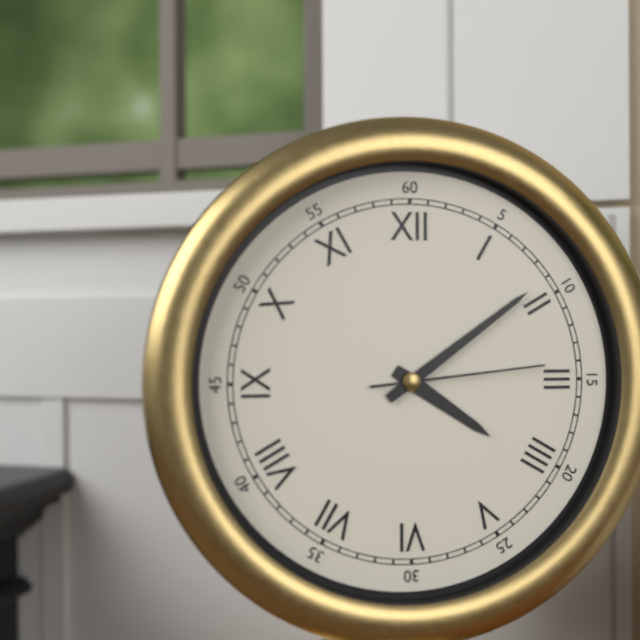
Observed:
{"hour": 4, "minute": 9, "second": 14}
